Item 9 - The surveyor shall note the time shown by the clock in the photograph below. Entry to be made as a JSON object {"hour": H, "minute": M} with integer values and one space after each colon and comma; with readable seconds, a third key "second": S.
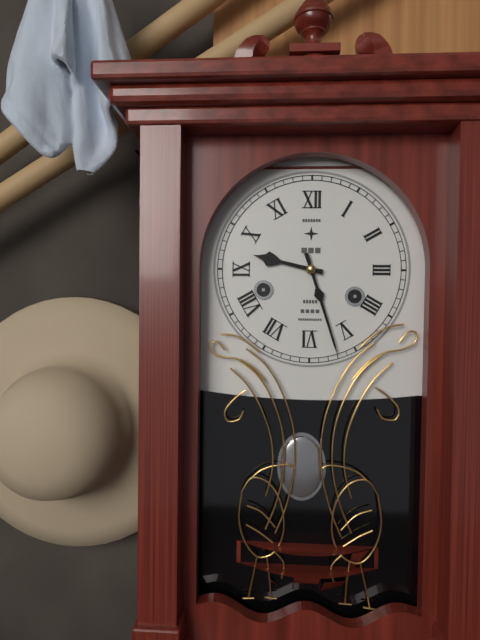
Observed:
{"hour": 9, "minute": 27}
